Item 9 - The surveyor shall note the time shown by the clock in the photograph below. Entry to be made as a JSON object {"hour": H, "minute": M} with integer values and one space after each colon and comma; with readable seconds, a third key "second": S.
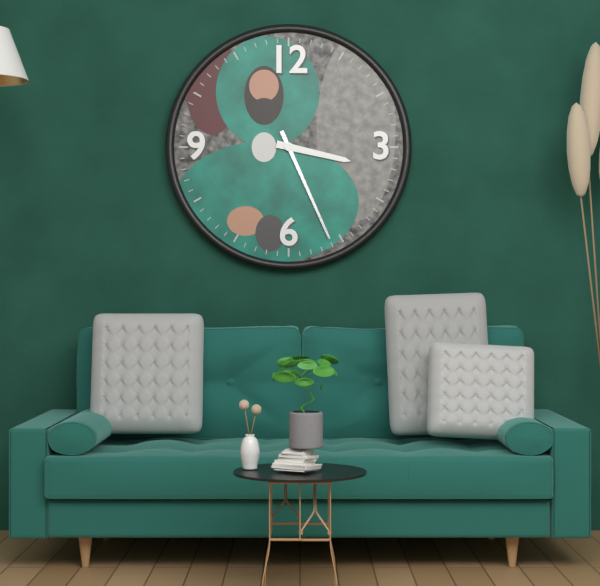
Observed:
{"hour": 3, "minute": 26}
